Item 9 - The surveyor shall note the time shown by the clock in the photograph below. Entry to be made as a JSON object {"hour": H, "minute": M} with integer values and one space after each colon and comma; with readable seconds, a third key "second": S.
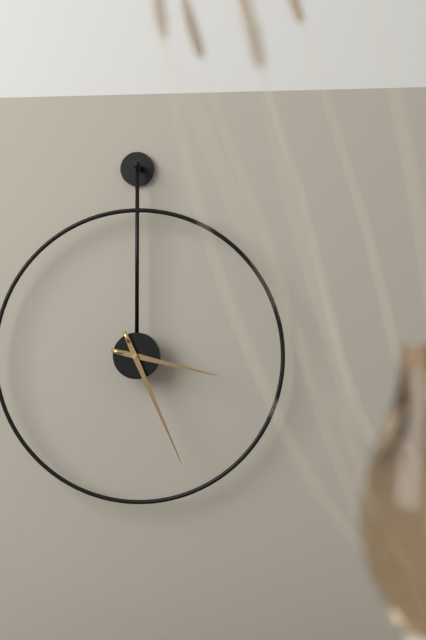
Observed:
{"hour": 3, "minute": 26}
